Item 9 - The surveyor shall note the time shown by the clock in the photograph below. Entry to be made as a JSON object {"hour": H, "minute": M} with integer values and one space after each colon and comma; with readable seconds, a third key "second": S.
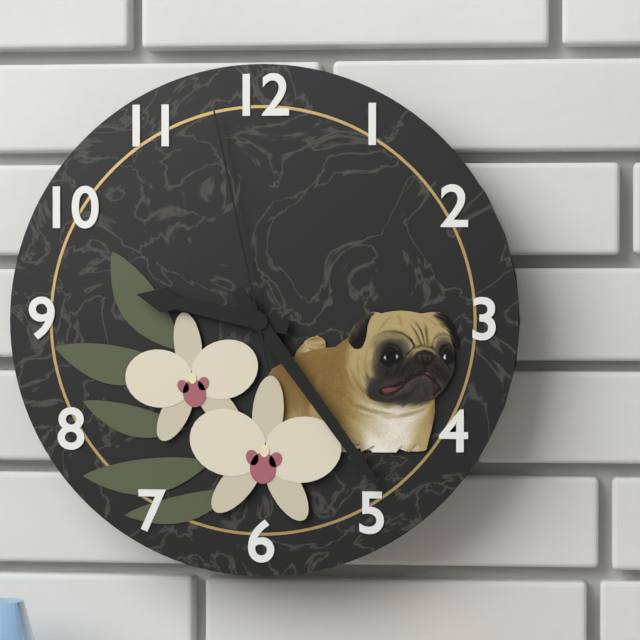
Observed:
{"hour": 9, "minute": 24, "second": 58}
